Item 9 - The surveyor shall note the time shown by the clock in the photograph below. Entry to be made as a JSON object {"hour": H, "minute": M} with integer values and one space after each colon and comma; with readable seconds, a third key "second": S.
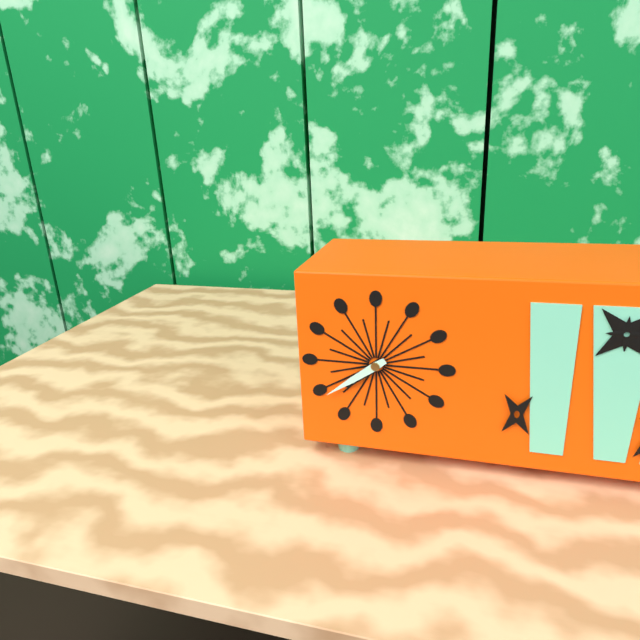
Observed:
{"hour": 7, "minute": 39}
